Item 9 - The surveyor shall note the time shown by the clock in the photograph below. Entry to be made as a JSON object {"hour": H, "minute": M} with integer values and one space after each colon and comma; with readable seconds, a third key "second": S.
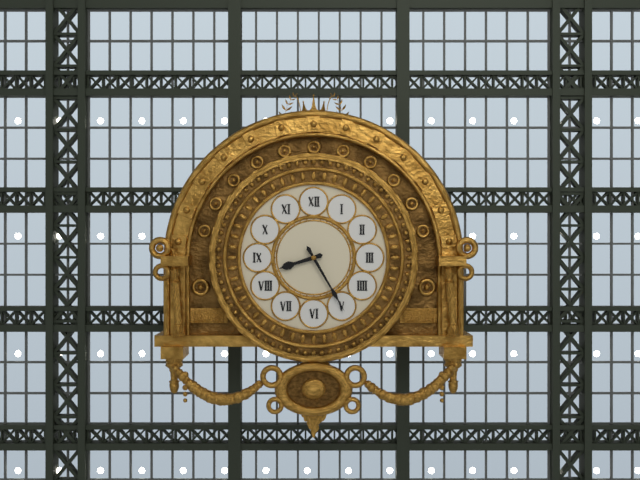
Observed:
{"hour": 8, "minute": 25}
